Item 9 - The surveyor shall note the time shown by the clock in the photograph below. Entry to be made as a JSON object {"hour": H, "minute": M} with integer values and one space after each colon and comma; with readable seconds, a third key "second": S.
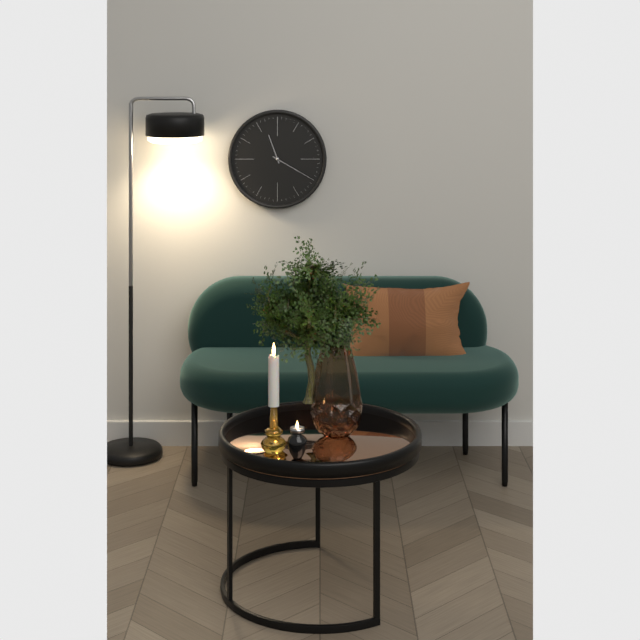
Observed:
{"hour": 11, "minute": 20}
